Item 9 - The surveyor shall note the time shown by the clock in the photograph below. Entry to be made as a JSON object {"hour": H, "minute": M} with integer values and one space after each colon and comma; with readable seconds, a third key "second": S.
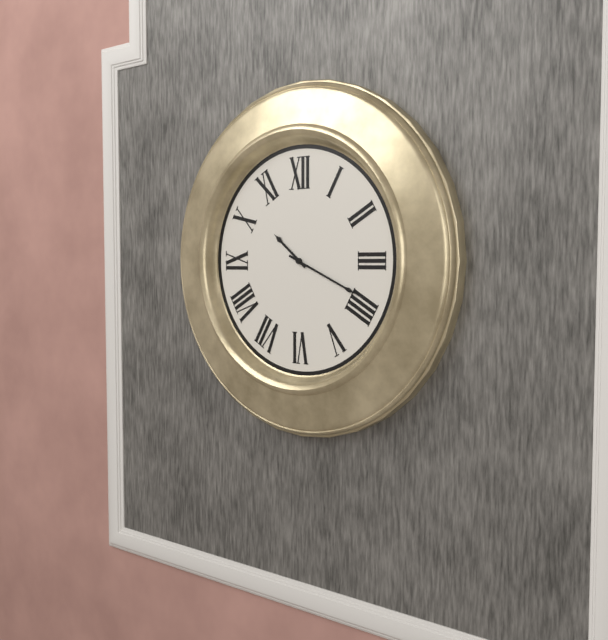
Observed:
{"hour": 10, "minute": 19}
